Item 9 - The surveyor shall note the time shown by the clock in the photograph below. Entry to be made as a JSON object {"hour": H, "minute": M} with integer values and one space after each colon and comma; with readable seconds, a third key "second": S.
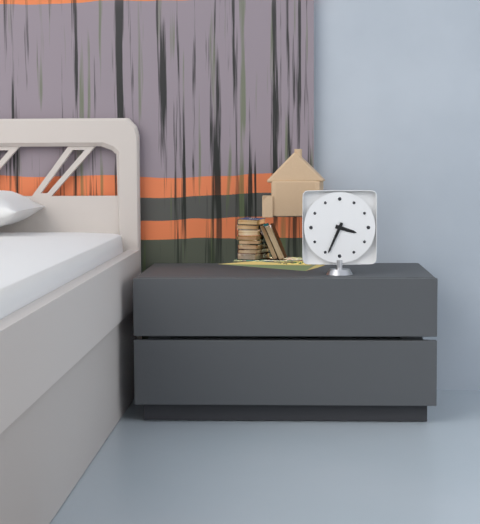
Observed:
{"hour": 3, "minute": 34}
